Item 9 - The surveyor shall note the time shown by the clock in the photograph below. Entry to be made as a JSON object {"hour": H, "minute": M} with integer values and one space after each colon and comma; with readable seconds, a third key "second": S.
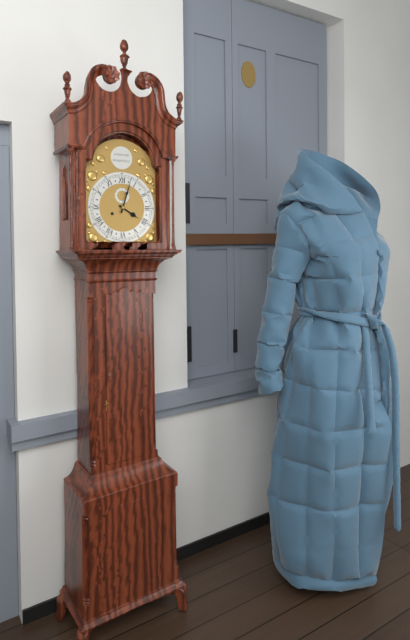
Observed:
{"hour": 4, "minute": 3}
